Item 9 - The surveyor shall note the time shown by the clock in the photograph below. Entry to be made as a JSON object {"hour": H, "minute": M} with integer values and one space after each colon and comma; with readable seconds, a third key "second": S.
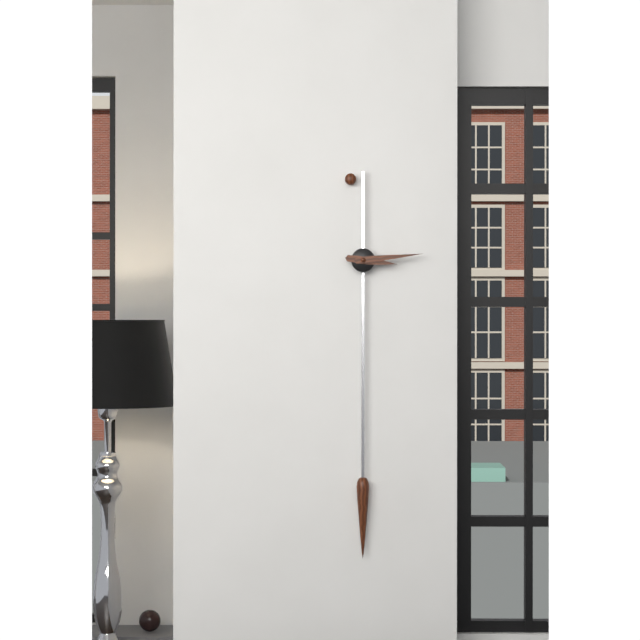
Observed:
{"hour": 3, "minute": 14}
